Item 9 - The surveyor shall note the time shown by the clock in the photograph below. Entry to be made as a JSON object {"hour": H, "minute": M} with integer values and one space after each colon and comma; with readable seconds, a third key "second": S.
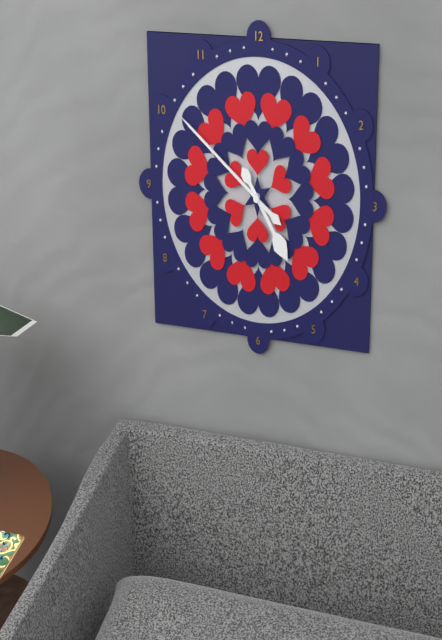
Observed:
{"hour": 4, "minute": 51}
